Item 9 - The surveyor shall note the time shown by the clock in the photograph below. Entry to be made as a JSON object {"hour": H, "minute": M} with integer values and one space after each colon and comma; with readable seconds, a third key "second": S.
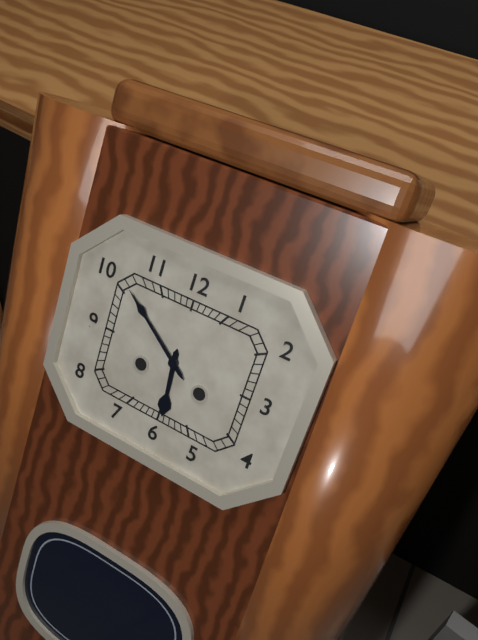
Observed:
{"hour": 5, "minute": 51}
